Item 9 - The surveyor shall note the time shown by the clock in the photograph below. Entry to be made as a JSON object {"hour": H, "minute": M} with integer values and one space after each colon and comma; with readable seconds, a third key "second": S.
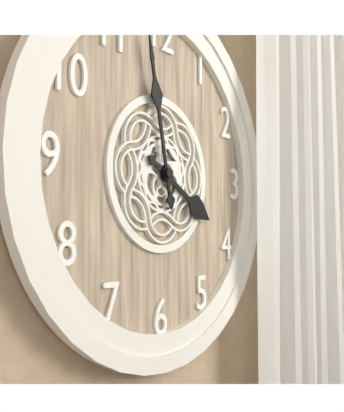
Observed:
{"hour": 3, "minute": 58}
